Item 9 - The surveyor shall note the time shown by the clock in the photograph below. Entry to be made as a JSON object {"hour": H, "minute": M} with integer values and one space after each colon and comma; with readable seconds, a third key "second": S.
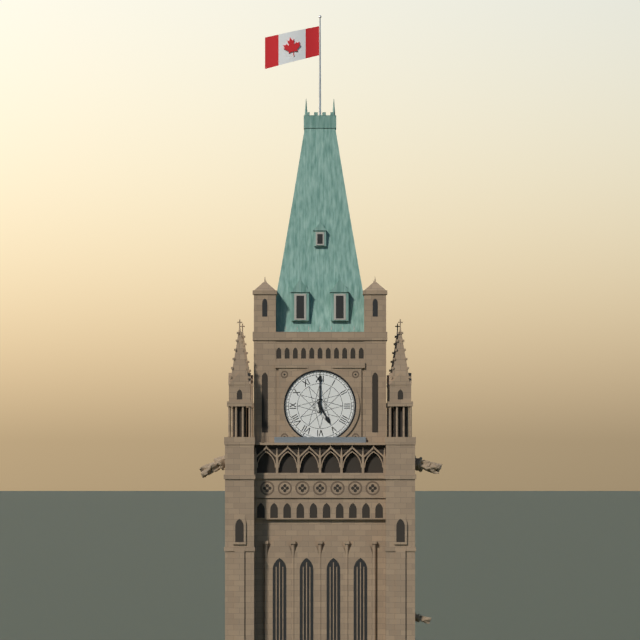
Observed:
{"hour": 5, "minute": 0}
